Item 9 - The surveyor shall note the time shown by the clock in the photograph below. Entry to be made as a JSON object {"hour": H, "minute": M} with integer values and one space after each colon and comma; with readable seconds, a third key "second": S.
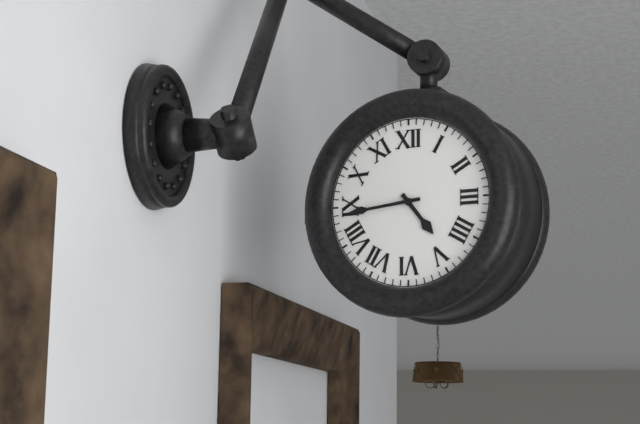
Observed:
{"hour": 4, "minute": 44}
